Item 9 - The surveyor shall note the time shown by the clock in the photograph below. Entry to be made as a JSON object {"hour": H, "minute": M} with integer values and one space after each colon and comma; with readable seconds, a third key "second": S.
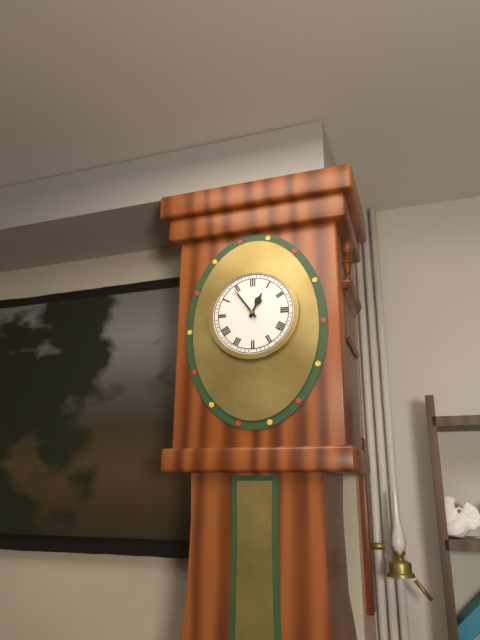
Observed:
{"hour": 12, "minute": 54}
